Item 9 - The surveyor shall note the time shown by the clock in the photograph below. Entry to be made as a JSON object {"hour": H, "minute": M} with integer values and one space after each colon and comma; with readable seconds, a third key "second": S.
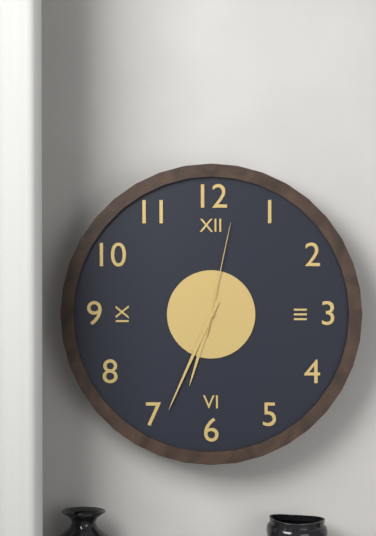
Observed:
{"hour": 6, "minute": 34, "second": 2}
